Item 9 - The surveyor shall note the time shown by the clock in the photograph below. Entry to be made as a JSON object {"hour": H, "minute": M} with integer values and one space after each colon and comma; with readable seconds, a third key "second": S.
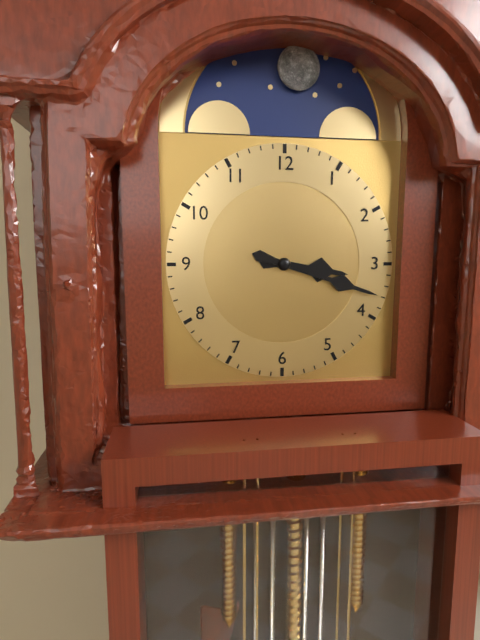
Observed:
{"hour": 3, "minute": 18}
